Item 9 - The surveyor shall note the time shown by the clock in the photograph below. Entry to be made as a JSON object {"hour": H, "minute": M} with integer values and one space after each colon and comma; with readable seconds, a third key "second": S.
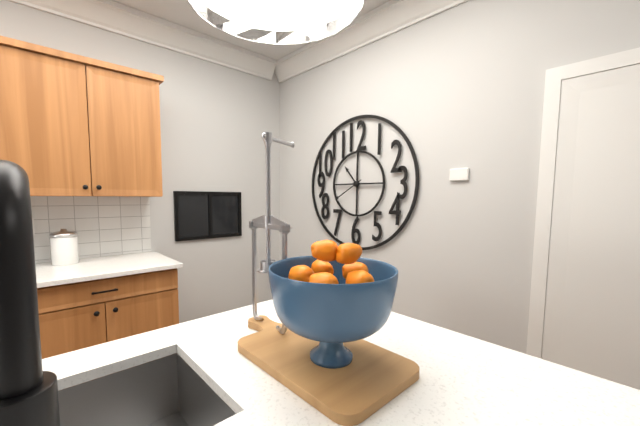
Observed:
{"hour": 10, "minute": 40}
